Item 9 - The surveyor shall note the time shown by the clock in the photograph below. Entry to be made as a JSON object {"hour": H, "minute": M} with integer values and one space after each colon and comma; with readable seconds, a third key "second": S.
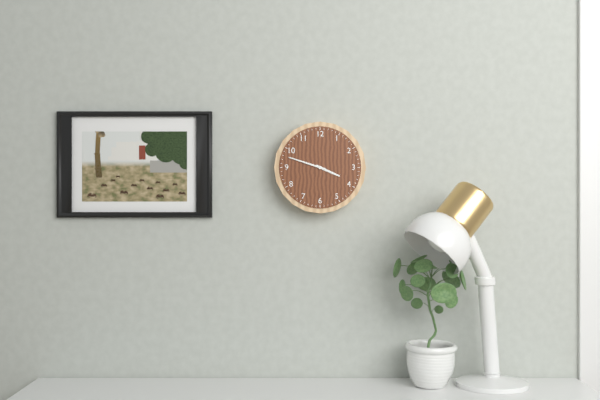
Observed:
{"hour": 3, "minute": 48}
